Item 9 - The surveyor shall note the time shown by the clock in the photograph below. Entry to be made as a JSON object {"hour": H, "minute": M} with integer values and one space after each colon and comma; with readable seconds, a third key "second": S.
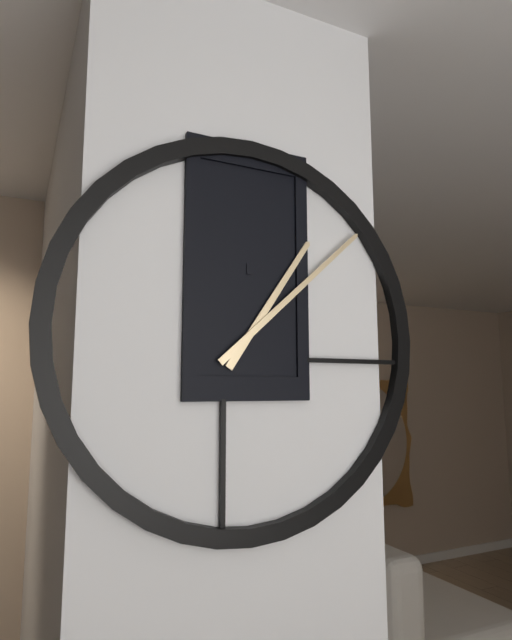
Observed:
{"hour": 1, "minute": 8}
